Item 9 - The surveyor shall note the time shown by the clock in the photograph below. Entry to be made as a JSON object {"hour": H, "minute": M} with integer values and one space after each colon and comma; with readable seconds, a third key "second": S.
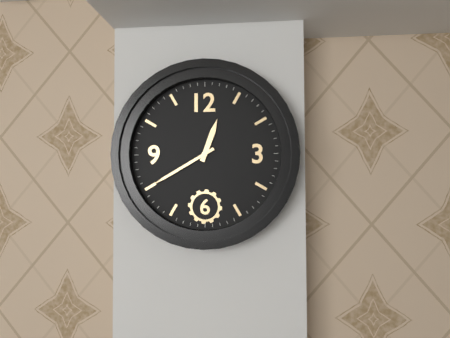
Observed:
{"hour": 12, "minute": 40}
